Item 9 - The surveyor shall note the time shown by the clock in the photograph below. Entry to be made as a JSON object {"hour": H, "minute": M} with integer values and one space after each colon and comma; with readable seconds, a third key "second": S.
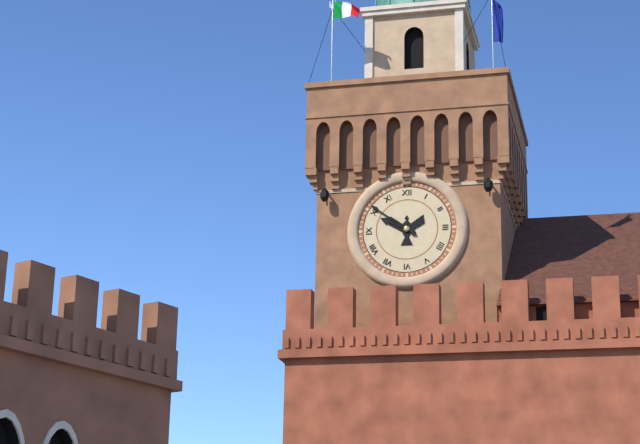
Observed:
{"hour": 9, "minute": 51}
